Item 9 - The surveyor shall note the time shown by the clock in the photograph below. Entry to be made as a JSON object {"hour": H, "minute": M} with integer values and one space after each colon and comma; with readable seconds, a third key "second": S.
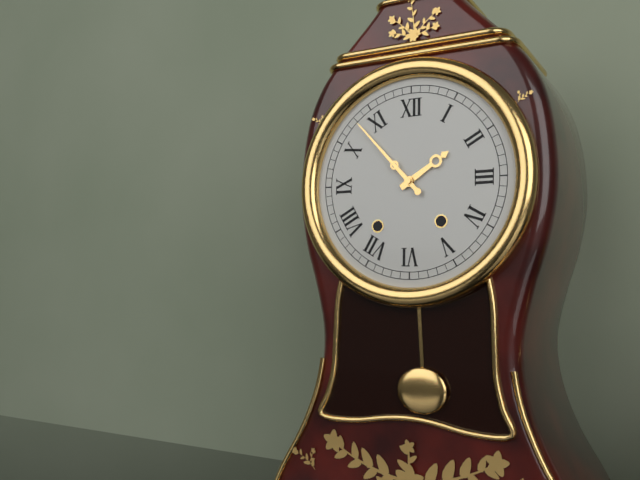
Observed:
{"hour": 1, "minute": 53}
